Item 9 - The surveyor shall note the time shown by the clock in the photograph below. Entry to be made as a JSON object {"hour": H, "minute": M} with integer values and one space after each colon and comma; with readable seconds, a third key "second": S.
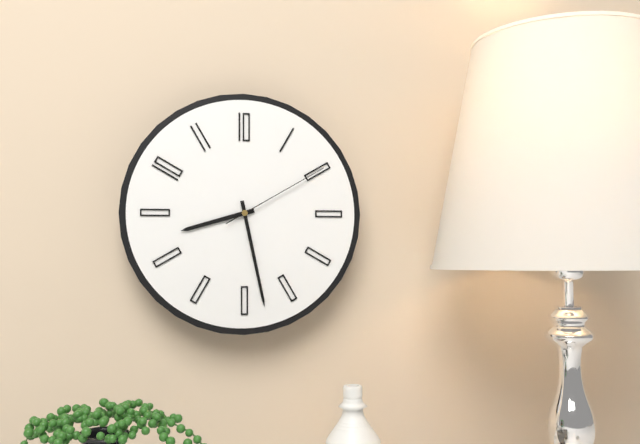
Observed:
{"hour": 8, "minute": 28, "second": 10}
